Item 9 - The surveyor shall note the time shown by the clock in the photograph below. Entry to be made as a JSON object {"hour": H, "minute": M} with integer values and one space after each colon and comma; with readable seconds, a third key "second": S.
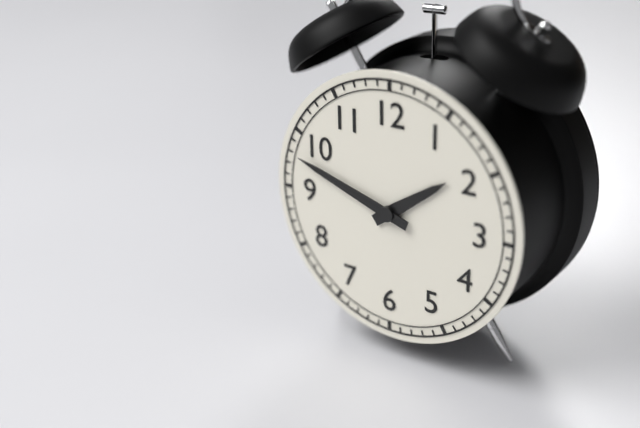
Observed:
{"hour": 1, "minute": 48}
